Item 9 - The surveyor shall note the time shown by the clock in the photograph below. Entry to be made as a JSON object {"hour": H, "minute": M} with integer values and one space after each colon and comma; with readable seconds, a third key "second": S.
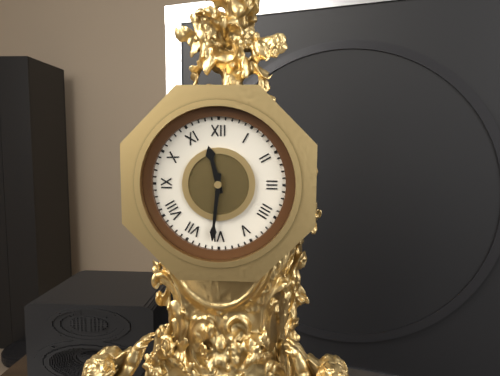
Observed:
{"hour": 11, "minute": 31}
